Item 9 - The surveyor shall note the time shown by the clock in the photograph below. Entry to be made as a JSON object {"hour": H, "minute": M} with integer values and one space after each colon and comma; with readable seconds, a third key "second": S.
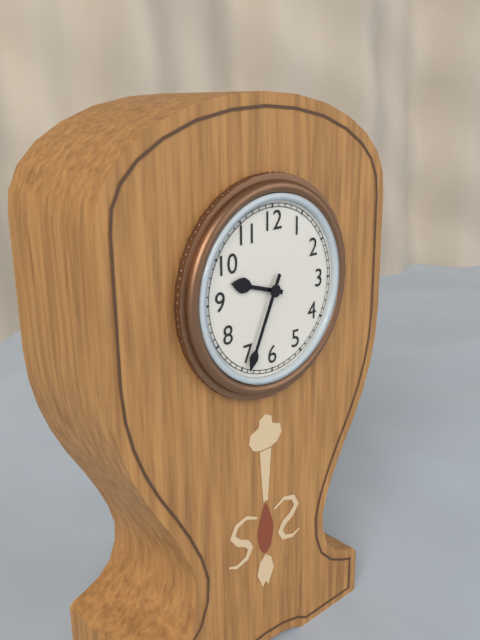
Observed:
{"hour": 9, "minute": 34}
